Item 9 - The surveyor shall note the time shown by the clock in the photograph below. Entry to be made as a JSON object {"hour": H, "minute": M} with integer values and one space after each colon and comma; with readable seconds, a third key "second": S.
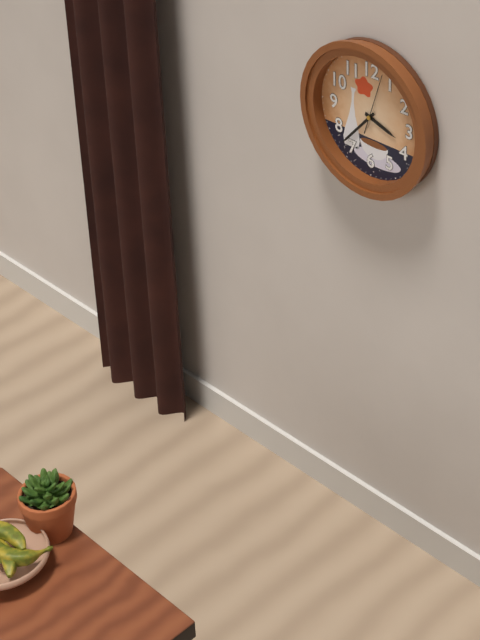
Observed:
{"hour": 3, "minute": 37, "second": 3}
